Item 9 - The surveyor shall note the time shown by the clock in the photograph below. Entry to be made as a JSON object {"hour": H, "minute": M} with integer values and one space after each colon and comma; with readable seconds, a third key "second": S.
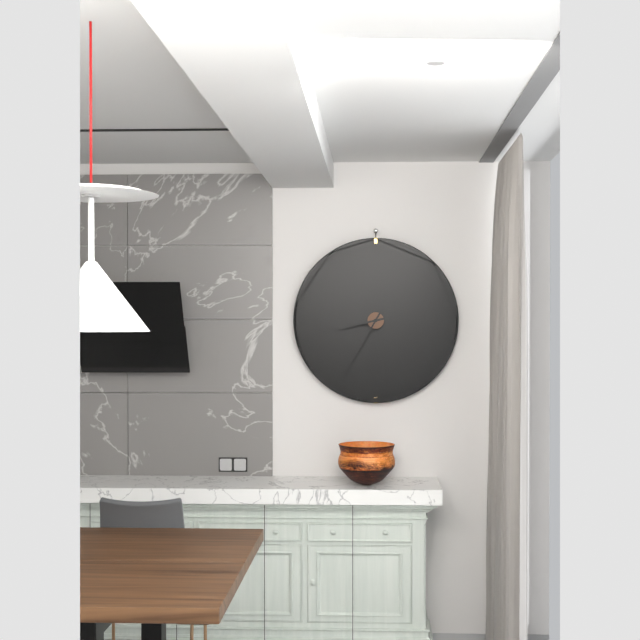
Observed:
{"hour": 8, "minute": 35}
